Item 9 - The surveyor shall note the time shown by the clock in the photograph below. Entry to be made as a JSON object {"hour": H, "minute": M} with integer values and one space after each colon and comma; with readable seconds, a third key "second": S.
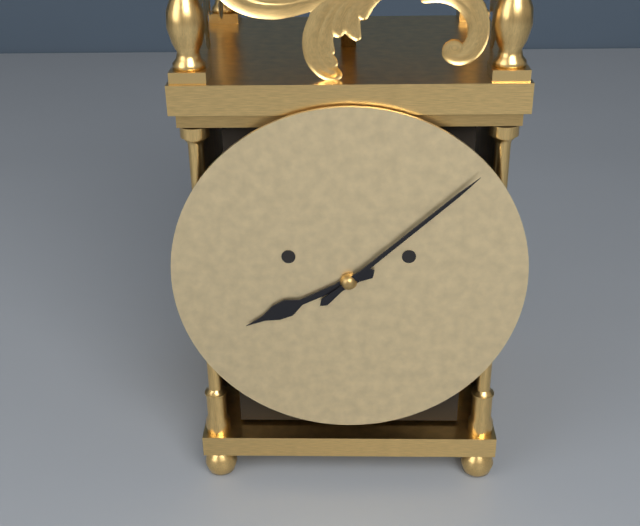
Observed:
{"hour": 8, "minute": 8}
